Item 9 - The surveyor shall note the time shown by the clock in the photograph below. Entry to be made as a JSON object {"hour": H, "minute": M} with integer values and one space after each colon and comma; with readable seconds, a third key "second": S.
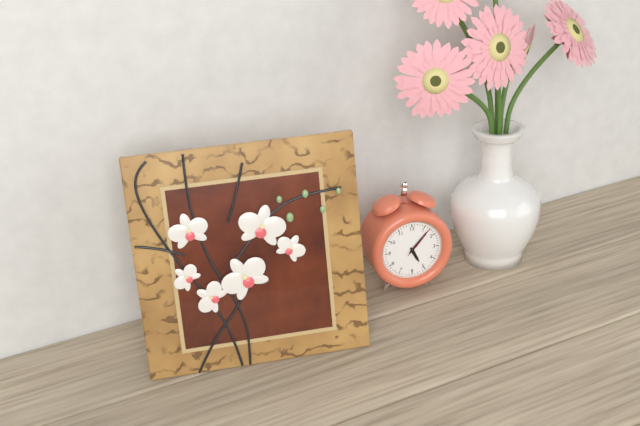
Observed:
{"hour": 5, "minute": 7}
